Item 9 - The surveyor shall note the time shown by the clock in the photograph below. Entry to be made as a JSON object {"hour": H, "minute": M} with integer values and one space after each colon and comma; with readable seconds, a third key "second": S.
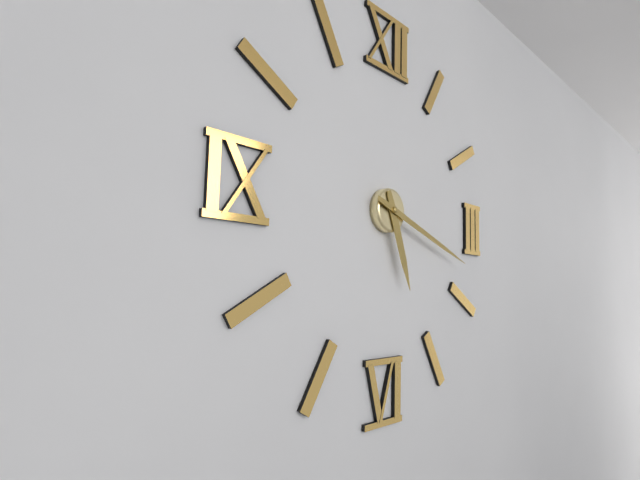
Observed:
{"hour": 5, "minute": 18}
